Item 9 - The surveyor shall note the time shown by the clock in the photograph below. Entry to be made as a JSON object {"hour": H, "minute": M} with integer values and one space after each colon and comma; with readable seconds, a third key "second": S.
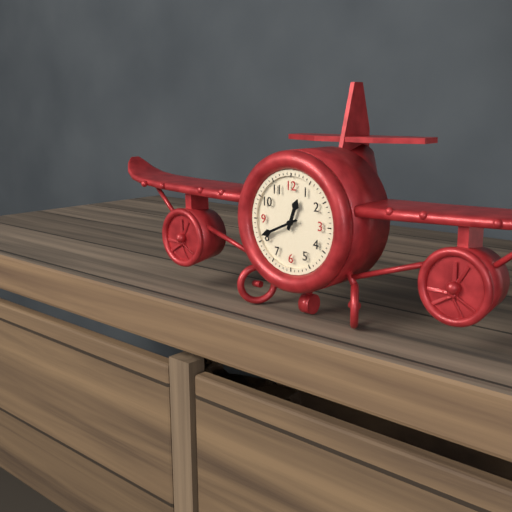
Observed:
{"hour": 12, "minute": 41}
